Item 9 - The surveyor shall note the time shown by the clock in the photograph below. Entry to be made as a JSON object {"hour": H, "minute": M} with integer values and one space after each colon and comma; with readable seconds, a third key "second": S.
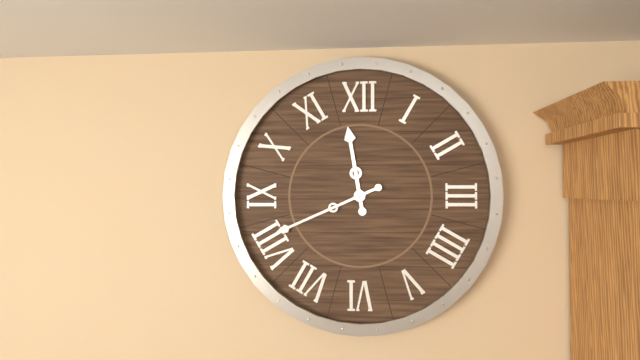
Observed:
{"hour": 11, "minute": 41}
